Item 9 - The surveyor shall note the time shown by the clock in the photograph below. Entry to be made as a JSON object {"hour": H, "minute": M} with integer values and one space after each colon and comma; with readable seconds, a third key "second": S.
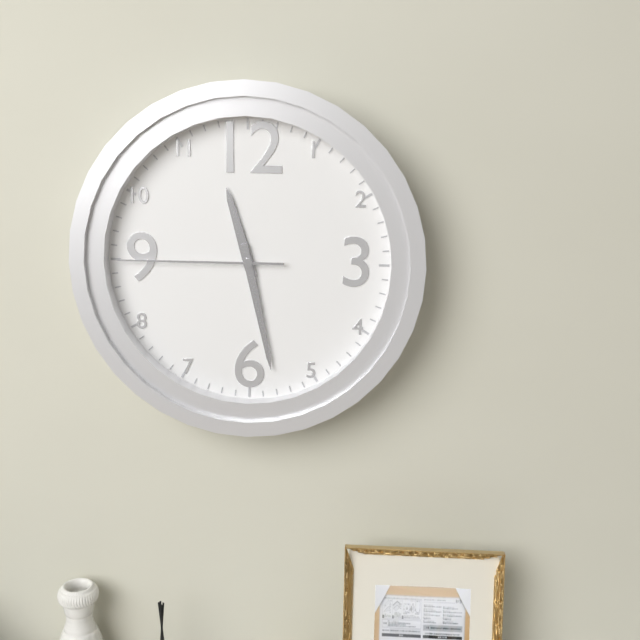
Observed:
{"hour": 11, "minute": 28, "second": 45}
